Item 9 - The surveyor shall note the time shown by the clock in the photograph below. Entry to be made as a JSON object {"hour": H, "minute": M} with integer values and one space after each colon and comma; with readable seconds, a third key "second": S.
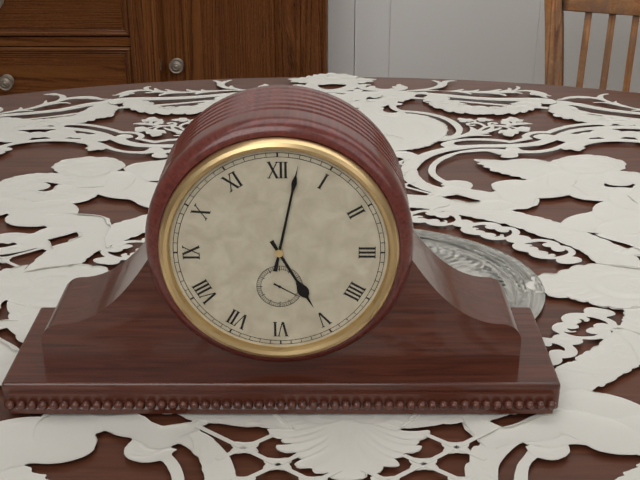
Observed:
{"hour": 5, "minute": 2, "second": 20}
